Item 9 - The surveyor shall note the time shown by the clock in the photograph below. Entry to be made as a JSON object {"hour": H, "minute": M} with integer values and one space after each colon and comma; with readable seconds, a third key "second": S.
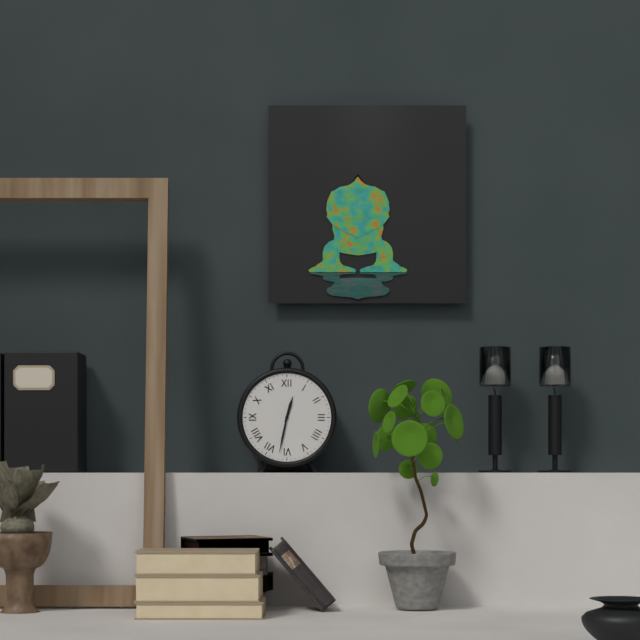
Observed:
{"hour": 12, "minute": 32}
